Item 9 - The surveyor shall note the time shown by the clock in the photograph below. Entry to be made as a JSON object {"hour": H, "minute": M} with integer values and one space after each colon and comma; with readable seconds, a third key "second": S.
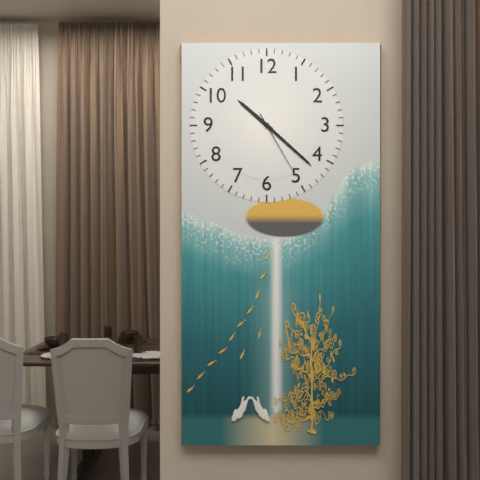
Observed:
{"hour": 10, "minute": 22, "second": 25}
